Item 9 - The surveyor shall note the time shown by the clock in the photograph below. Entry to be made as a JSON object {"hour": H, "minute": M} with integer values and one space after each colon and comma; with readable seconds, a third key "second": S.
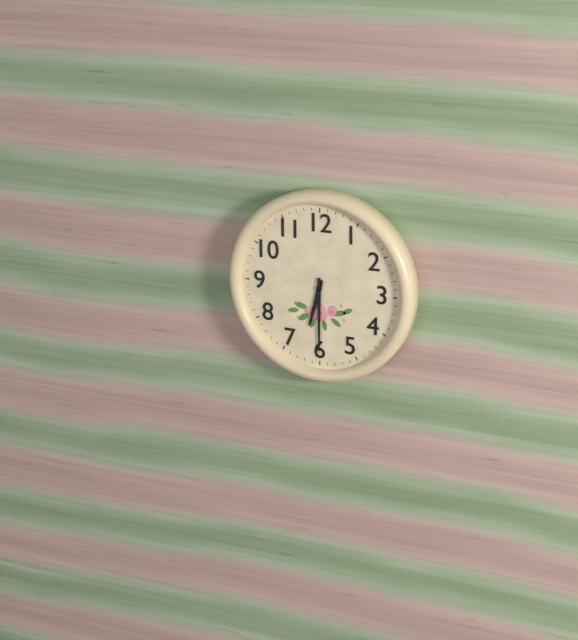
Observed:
{"hour": 6, "minute": 30}
